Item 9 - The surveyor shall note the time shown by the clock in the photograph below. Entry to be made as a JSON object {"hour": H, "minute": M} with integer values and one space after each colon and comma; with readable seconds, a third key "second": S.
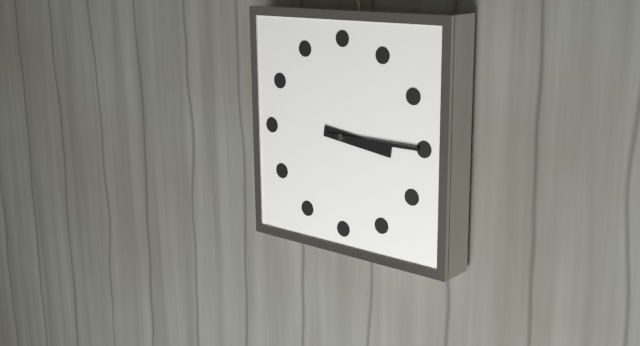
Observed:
{"hour": 3, "minute": 15}
